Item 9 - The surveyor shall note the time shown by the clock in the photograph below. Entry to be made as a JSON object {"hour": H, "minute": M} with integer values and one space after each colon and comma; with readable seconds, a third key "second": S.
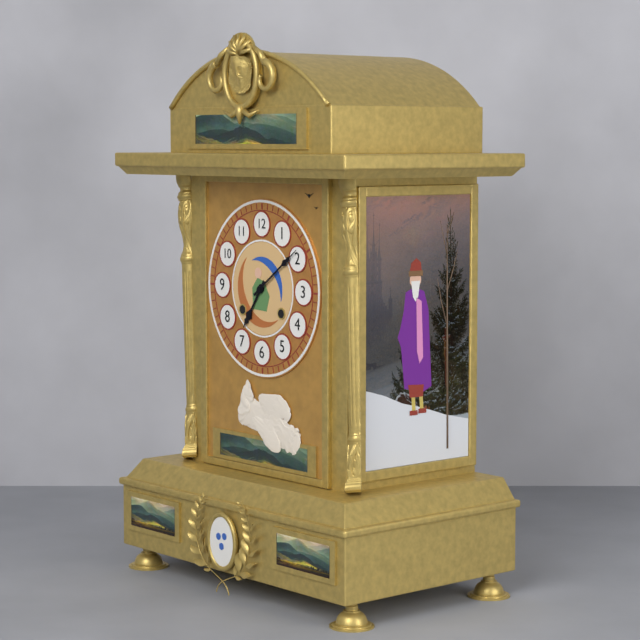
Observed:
{"hour": 7, "minute": 9}
